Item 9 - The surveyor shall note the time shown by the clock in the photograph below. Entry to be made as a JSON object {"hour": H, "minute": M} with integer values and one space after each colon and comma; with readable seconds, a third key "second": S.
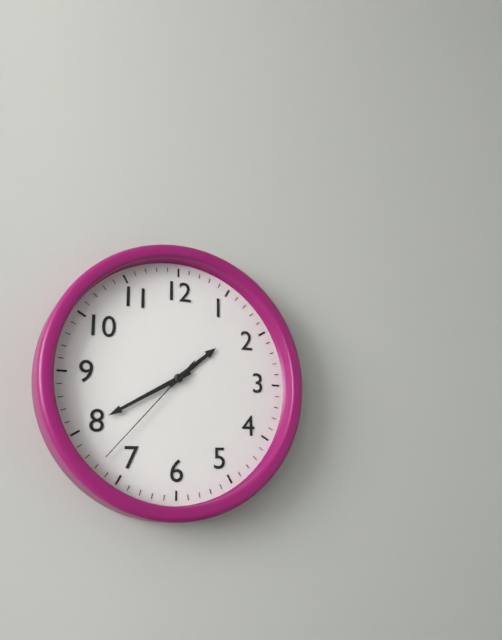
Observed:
{"hour": 1, "minute": 40, "second": 37}
